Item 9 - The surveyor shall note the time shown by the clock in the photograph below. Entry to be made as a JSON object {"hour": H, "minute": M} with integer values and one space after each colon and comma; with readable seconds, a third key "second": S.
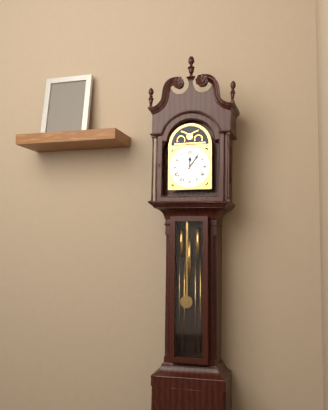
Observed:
{"hour": 12, "minute": 6}
